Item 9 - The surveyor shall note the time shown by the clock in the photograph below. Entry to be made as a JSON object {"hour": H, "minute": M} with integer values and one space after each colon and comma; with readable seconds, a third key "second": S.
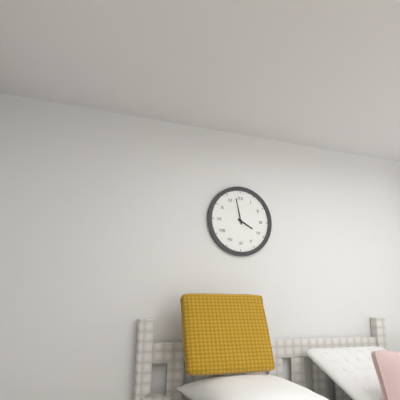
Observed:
{"hour": 3, "minute": 58}
